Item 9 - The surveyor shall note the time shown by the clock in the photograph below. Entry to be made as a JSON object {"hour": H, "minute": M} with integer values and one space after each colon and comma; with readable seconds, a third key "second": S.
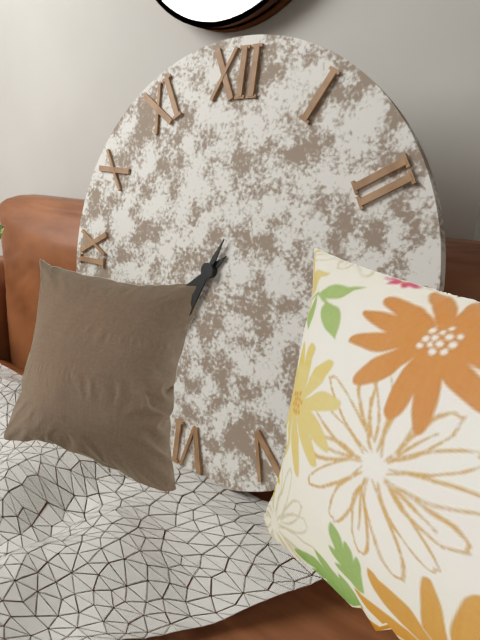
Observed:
{"hour": 7, "minute": 34}
